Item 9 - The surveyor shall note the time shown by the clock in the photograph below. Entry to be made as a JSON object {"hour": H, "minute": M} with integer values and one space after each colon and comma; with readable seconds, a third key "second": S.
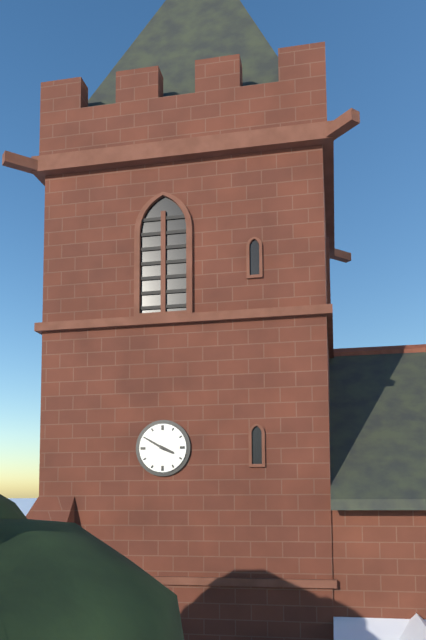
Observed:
{"hour": 3, "minute": 50}
